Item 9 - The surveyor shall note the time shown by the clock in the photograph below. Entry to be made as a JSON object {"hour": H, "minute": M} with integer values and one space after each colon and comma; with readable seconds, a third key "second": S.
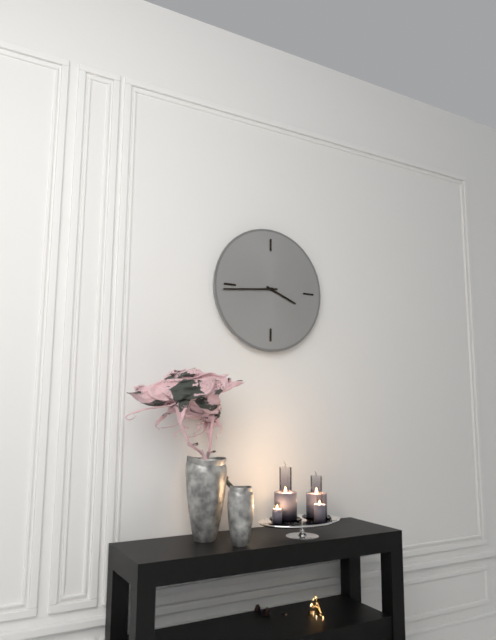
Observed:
{"hour": 3, "minute": 44}
